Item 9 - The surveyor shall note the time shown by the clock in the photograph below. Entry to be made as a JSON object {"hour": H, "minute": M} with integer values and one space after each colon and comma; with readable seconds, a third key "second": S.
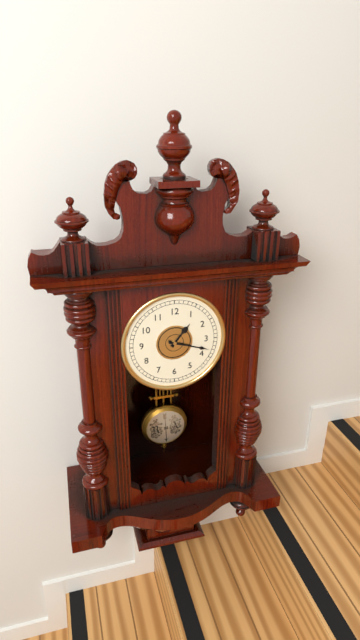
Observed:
{"hour": 1, "minute": 18}
